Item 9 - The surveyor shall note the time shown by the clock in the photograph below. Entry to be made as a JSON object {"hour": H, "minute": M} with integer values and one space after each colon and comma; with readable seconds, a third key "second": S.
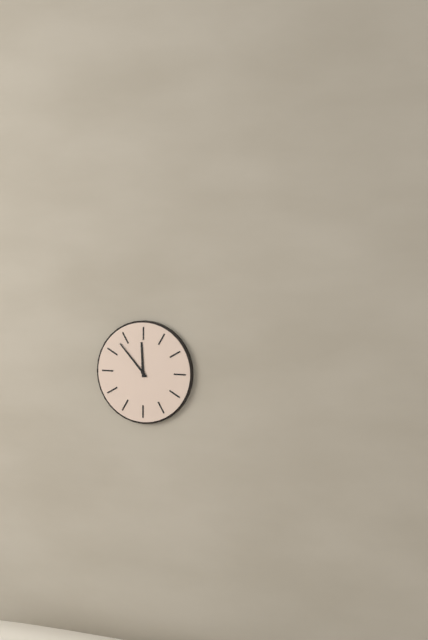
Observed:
{"hour": 11, "minute": 53}
